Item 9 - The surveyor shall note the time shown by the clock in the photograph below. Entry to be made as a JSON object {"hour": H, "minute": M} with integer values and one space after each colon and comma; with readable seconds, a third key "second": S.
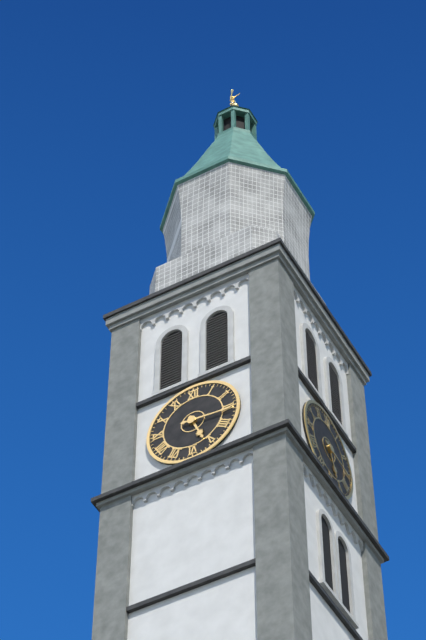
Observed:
{"hour": 5, "minute": 16}
